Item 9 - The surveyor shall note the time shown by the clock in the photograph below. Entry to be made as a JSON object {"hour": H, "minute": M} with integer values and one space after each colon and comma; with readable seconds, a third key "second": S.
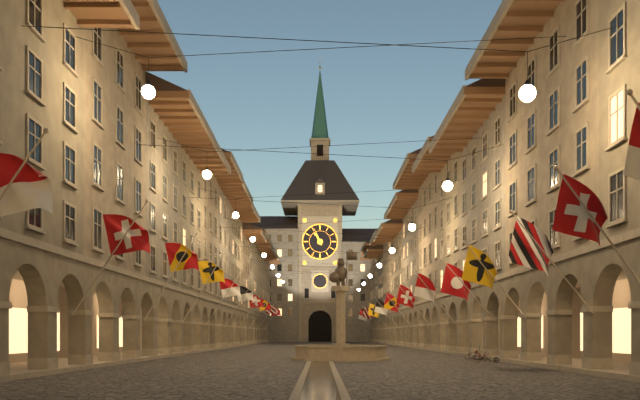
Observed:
{"hour": 10, "minute": 56}
